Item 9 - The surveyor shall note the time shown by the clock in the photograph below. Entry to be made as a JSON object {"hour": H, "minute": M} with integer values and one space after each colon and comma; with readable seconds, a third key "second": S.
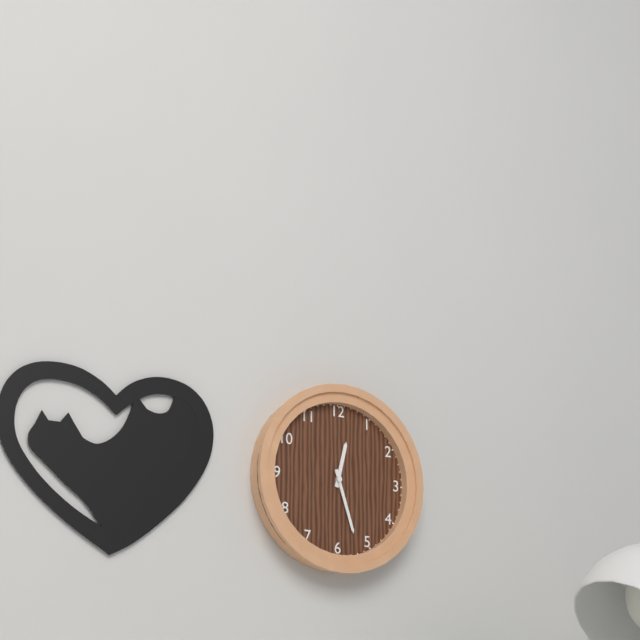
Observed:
{"hour": 12, "minute": 27}
